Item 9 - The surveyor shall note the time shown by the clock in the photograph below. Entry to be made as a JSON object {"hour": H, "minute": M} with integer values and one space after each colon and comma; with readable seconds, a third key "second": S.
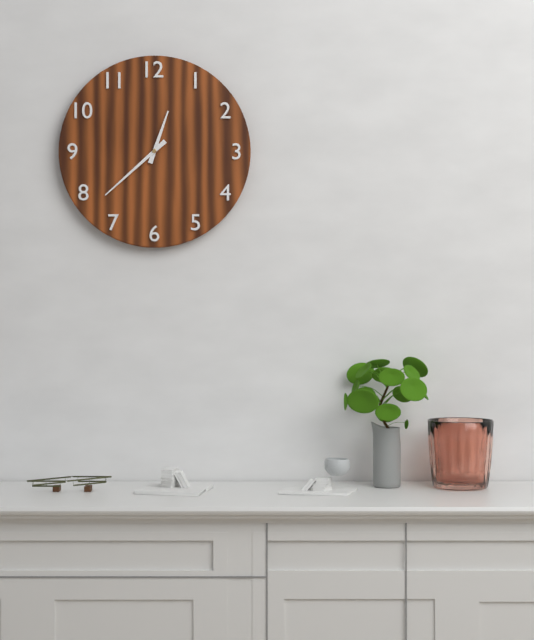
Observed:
{"hour": 12, "minute": 38}
